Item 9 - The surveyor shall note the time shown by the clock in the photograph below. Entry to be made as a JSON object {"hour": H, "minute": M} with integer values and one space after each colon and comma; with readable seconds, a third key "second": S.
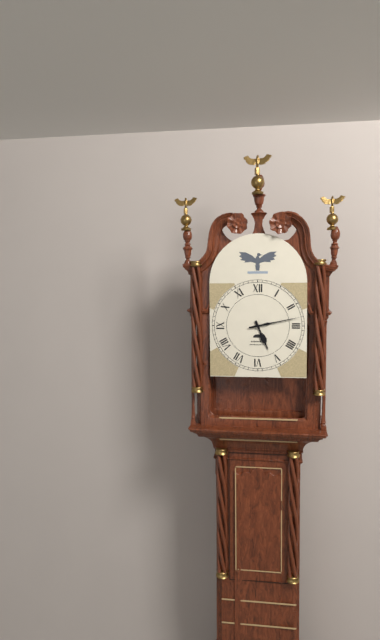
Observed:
{"hour": 5, "minute": 13}
